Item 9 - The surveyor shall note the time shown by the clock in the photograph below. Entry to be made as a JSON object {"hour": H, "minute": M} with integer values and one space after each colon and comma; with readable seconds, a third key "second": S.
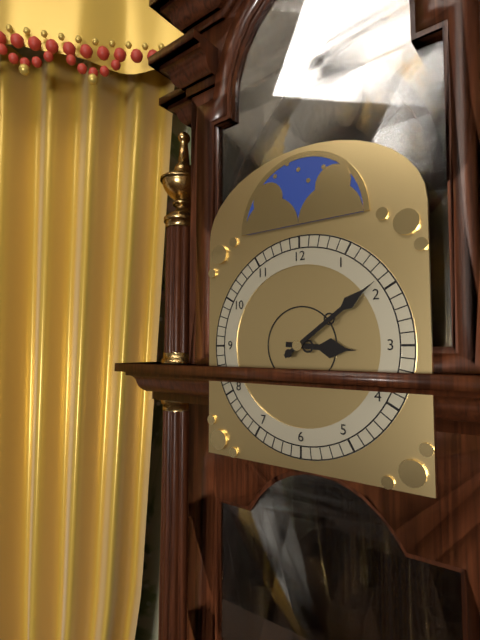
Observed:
{"hour": 3, "minute": 9}
